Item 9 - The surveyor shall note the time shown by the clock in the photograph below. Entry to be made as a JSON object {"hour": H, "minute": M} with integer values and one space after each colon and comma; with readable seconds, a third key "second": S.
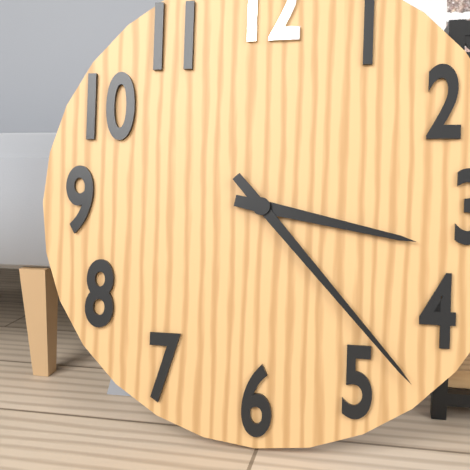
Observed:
{"hour": 3, "minute": 23}
